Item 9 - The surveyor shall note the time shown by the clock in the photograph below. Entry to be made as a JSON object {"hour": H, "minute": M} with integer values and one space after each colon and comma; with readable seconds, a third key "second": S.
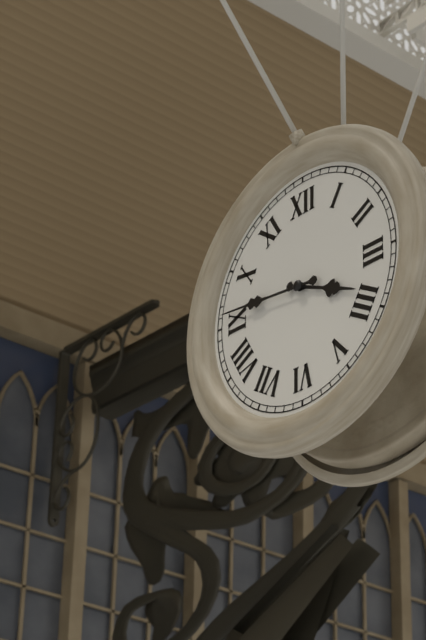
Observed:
{"hour": 3, "minute": 46}
